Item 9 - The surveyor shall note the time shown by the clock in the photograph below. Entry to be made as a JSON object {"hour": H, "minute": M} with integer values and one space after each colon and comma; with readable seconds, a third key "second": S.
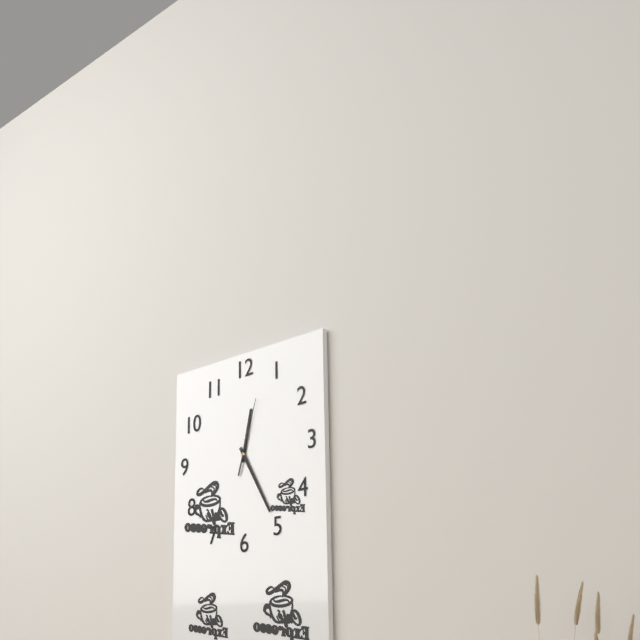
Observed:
{"hour": 12, "minute": 25, "second": 3}
